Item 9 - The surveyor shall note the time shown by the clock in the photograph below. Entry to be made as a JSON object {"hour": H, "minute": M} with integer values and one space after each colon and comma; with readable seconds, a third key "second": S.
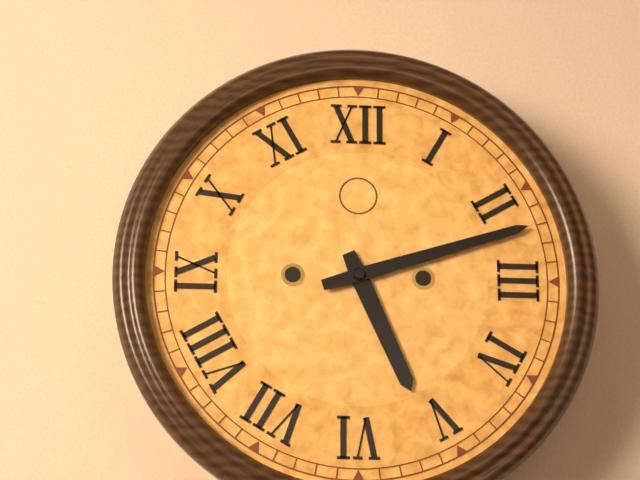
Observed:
{"hour": 5, "minute": 12}
